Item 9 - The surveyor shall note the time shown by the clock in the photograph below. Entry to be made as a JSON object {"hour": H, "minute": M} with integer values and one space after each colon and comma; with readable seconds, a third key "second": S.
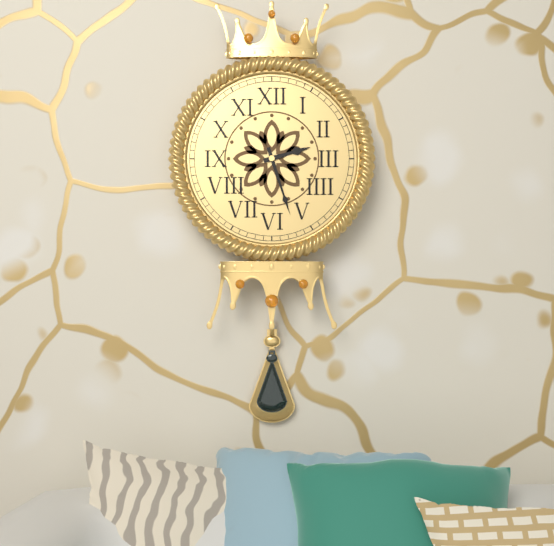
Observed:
{"hour": 2, "minute": 27}
